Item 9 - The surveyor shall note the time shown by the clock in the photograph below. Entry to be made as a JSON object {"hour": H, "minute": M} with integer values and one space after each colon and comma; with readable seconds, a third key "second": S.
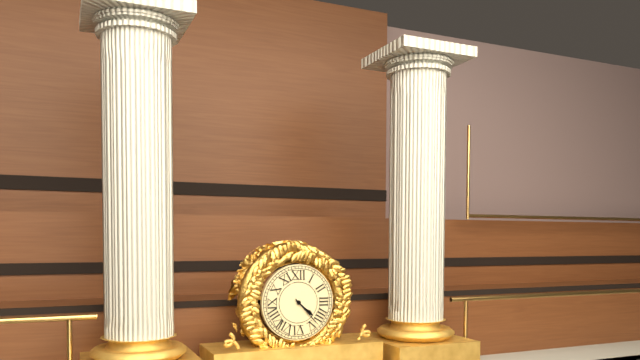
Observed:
{"hour": 4, "minute": 23}
